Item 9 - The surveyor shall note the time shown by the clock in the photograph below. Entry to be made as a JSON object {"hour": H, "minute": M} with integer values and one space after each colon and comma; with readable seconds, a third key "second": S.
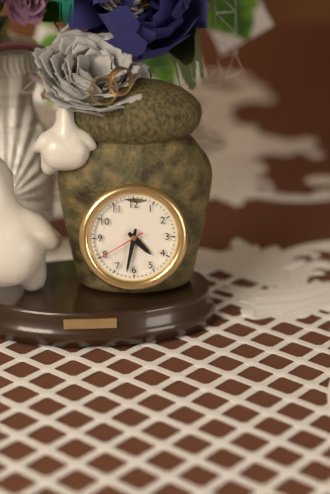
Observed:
{"hour": 4, "minute": 32, "second": 40}
